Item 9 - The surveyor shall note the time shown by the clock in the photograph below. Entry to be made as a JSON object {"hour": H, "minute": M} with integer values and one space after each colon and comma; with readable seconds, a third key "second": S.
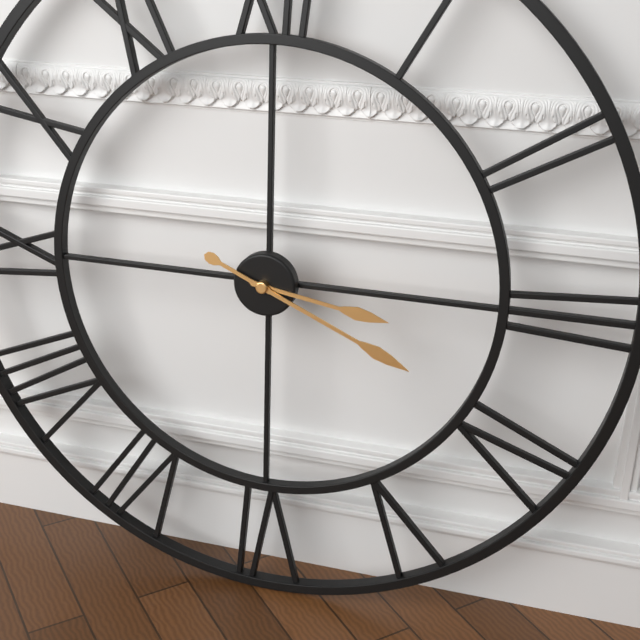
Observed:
{"hour": 3, "minute": 19}
